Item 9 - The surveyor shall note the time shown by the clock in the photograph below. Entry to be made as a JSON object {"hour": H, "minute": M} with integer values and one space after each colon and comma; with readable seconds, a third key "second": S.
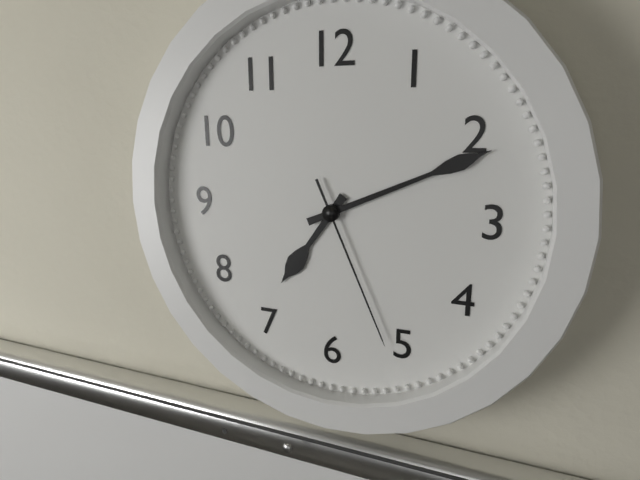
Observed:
{"hour": 7, "minute": 11, "second": 26}
